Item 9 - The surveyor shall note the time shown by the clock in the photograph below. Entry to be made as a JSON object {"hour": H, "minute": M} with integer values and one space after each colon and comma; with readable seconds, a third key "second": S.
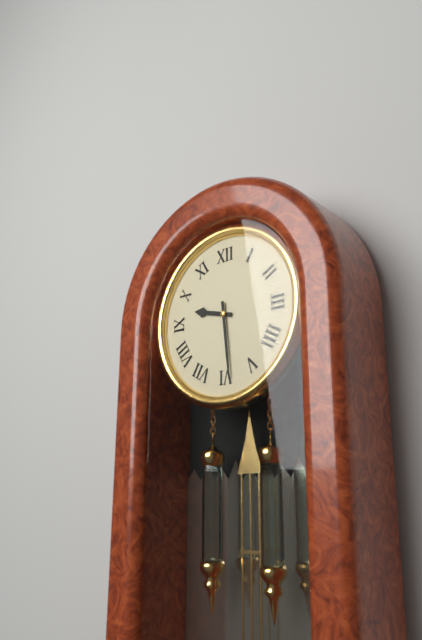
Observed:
{"hour": 9, "minute": 29}
